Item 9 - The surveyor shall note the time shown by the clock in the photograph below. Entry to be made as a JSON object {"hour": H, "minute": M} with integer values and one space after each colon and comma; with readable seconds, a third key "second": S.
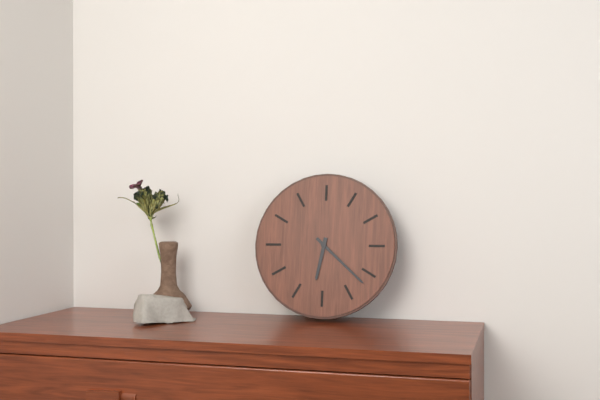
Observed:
{"hour": 6, "minute": 22}
